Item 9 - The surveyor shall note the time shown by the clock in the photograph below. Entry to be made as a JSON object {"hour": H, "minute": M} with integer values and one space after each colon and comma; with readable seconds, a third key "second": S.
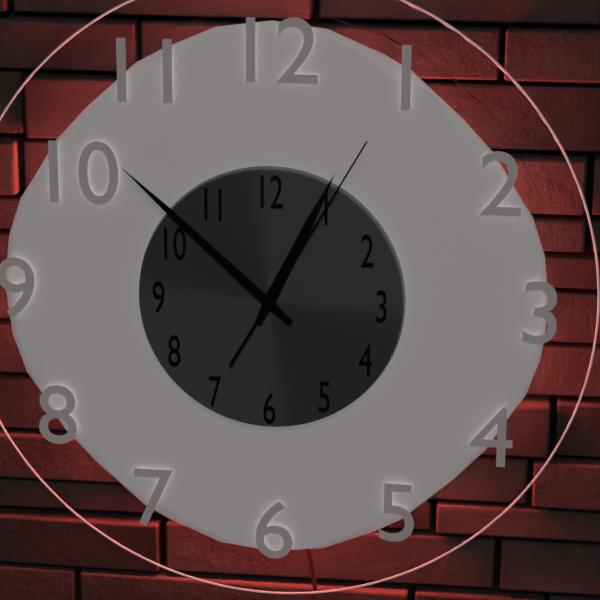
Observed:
{"hour": 12, "minute": 52, "second": 5}
